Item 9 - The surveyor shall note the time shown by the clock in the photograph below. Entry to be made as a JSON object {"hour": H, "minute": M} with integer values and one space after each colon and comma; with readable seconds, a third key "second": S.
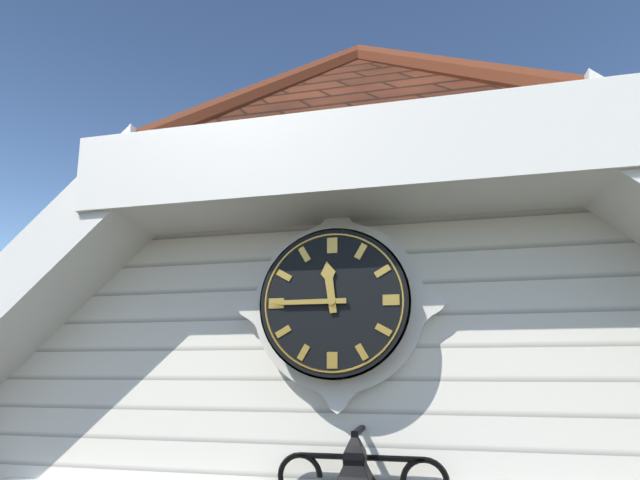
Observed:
{"hour": 11, "minute": 45}
